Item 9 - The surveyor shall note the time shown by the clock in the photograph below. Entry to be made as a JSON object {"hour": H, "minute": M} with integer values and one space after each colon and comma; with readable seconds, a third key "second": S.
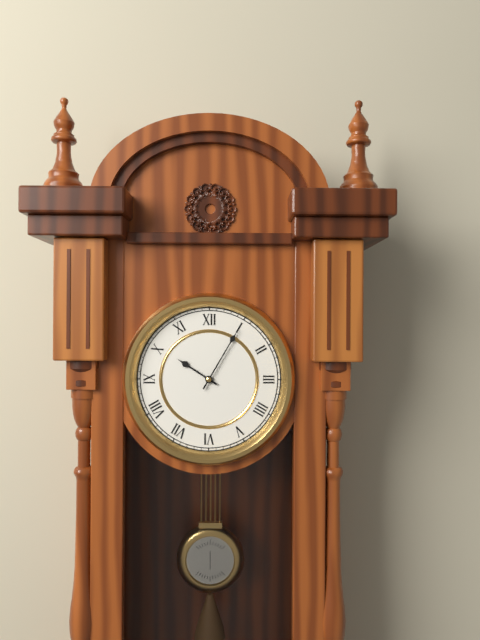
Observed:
{"hour": 10, "minute": 5}
